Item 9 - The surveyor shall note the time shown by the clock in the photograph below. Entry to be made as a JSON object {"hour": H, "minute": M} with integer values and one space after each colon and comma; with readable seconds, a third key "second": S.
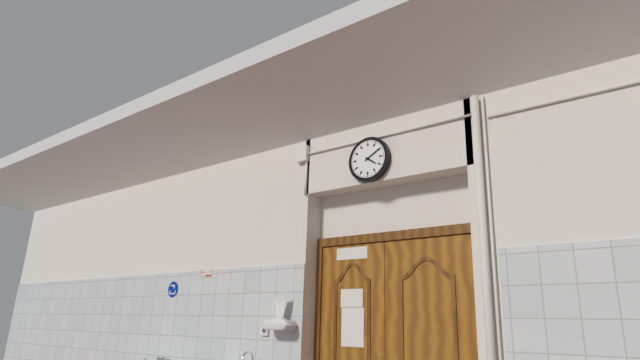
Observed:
{"hour": 4, "minute": 10}
